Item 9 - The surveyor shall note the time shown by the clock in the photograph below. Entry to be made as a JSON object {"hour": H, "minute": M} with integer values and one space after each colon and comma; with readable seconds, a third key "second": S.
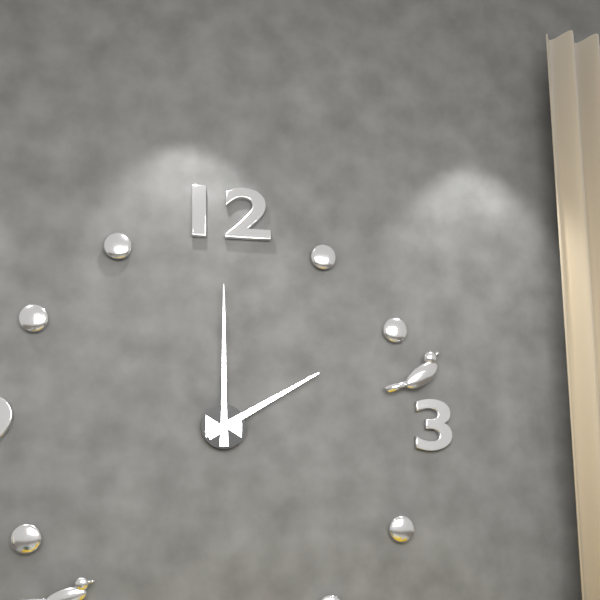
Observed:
{"hour": 2, "minute": 0}
